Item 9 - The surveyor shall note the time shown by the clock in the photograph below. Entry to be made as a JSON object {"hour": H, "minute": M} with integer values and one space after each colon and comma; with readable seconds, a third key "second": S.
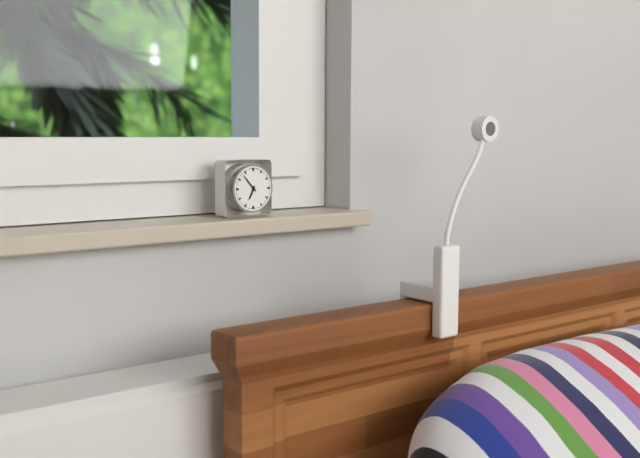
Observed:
{"hour": 6, "minute": 53}
